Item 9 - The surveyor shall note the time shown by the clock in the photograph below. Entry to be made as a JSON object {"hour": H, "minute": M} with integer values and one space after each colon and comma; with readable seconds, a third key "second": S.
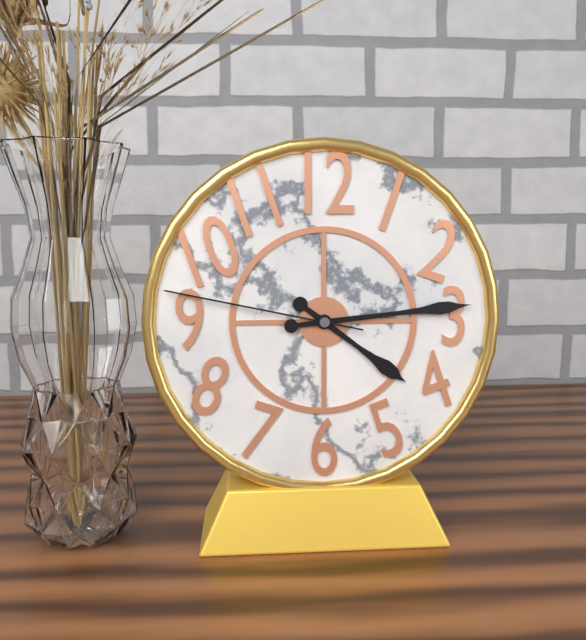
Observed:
{"hour": 4, "minute": 14, "second": 47}
